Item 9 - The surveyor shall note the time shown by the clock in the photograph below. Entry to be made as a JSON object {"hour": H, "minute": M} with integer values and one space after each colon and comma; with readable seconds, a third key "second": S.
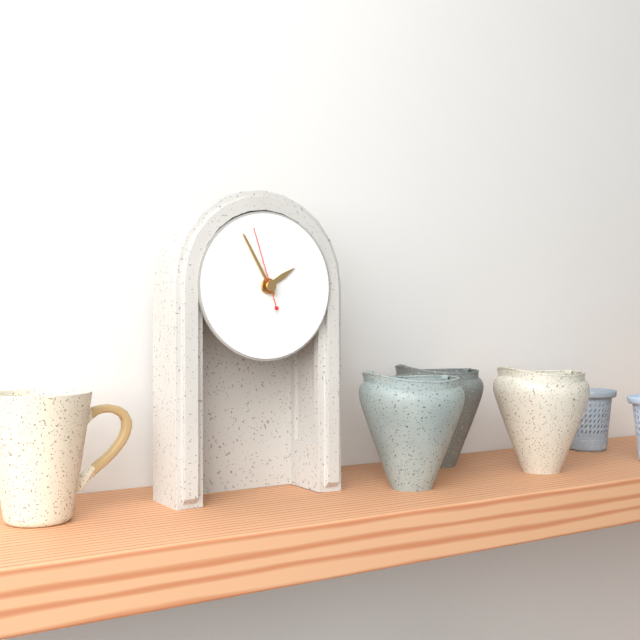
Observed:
{"hour": 1, "minute": 55, "second": 57}
